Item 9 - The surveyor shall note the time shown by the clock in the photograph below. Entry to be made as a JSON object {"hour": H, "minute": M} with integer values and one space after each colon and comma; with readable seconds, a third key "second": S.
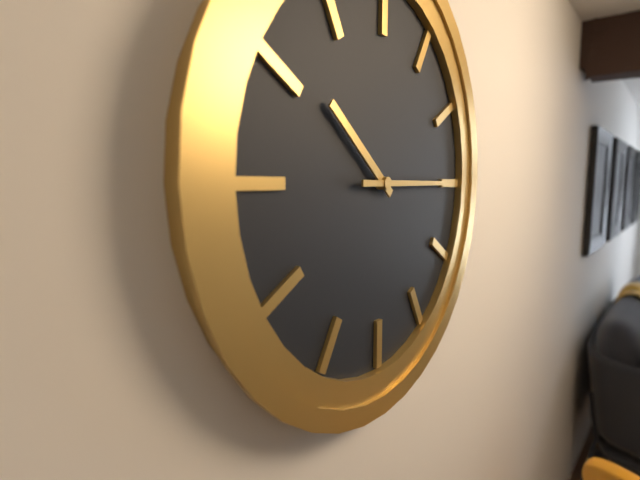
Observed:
{"hour": 10, "minute": 15}
